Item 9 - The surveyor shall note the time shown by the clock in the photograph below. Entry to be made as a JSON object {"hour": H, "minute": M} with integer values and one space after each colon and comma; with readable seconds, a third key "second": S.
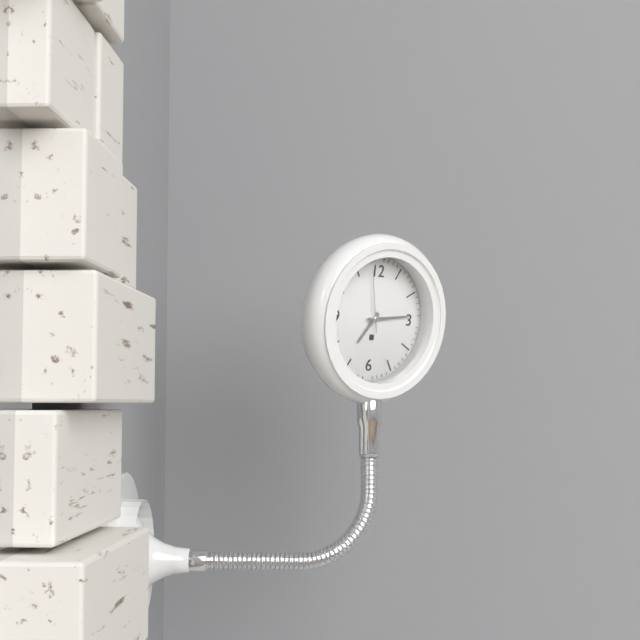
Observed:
{"hour": 7, "minute": 14, "second": 58}
